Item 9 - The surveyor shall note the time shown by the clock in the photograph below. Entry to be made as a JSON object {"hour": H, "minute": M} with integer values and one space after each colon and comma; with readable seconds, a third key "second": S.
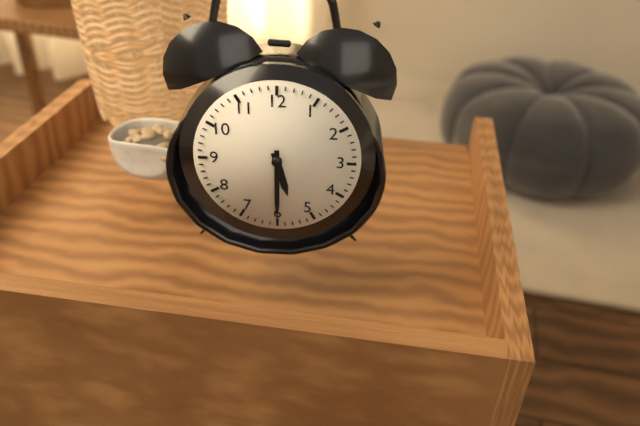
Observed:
{"hour": 5, "minute": 30}
